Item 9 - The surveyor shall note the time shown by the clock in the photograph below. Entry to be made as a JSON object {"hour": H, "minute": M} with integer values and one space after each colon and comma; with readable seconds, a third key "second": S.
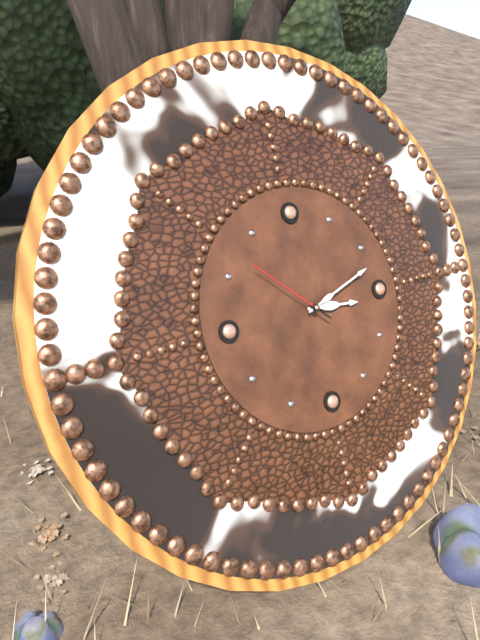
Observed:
{"hour": 3, "minute": 12, "second": 52}
